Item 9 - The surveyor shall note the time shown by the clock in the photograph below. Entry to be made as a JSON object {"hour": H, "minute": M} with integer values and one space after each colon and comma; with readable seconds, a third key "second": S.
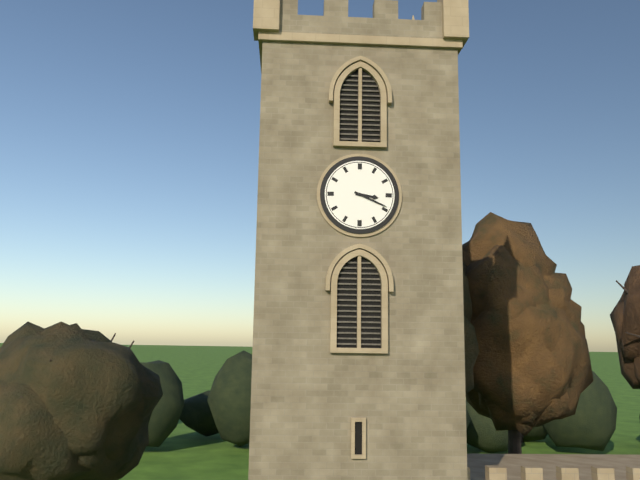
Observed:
{"hour": 3, "minute": 19}
